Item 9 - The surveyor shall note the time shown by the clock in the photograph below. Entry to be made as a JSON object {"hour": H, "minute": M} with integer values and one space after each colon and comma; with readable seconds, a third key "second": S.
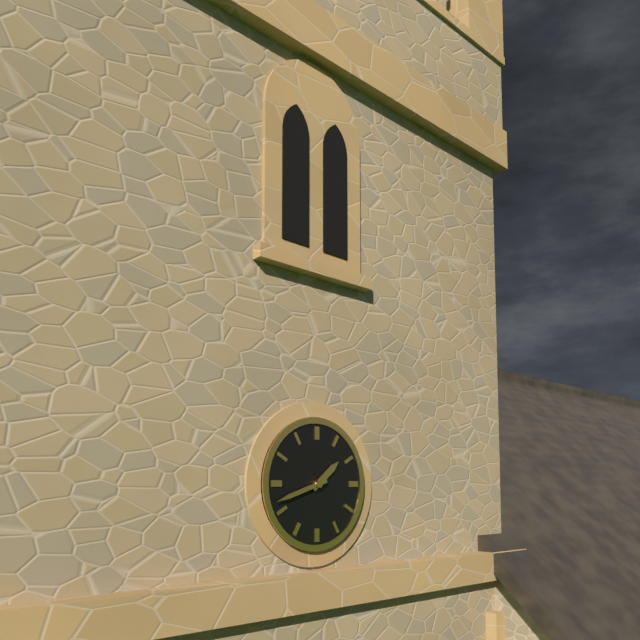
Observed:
{"hour": 1, "minute": 42}
